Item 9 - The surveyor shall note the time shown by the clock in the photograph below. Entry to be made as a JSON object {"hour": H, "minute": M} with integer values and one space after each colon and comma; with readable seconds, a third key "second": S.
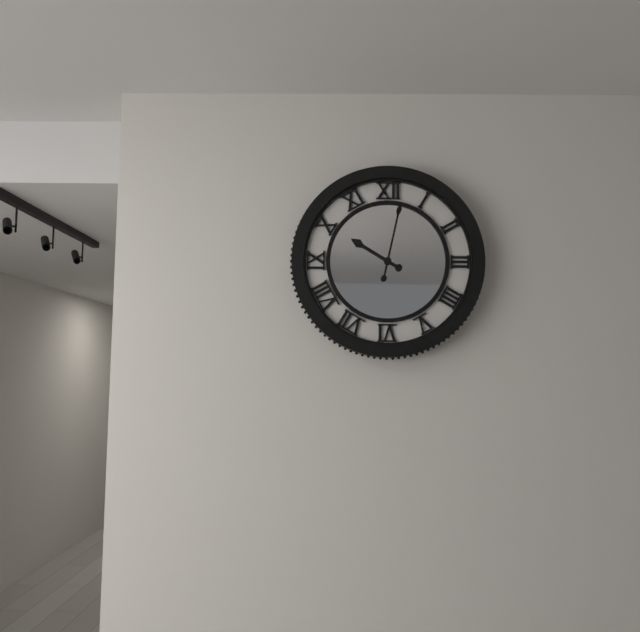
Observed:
{"hour": 10, "minute": 2}
